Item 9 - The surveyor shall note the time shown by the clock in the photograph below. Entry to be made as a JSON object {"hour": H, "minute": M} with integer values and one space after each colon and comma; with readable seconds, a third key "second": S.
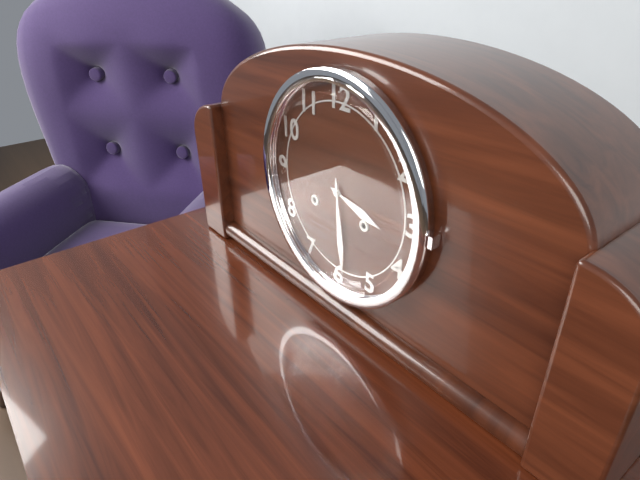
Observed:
{"hour": 3, "minute": 29}
